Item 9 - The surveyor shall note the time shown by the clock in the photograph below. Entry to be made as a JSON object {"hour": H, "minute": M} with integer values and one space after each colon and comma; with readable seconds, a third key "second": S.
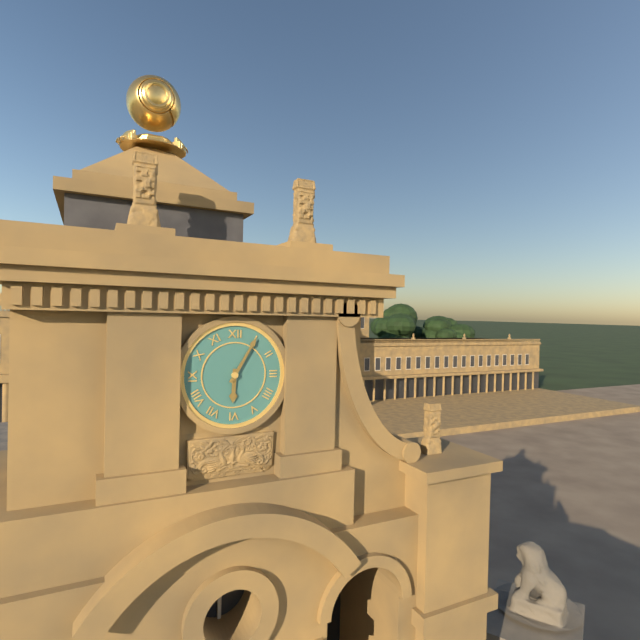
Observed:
{"hour": 6, "minute": 5}
